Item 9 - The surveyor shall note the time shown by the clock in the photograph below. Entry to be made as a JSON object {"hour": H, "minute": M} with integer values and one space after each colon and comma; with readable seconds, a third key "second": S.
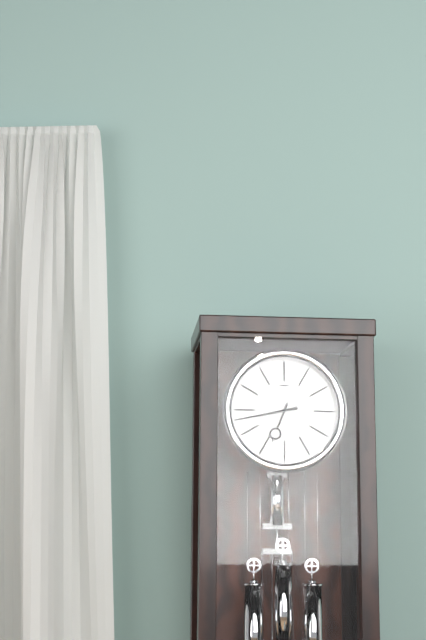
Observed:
{"hour": 6, "minute": 43}
